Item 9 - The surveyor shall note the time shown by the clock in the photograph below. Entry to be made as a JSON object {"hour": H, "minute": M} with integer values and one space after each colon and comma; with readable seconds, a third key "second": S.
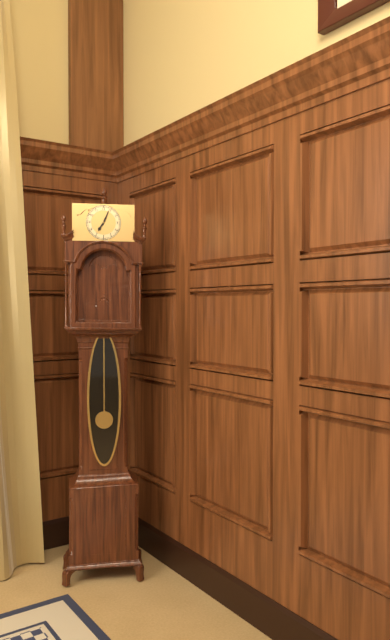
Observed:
{"hour": 7, "minute": 4}
